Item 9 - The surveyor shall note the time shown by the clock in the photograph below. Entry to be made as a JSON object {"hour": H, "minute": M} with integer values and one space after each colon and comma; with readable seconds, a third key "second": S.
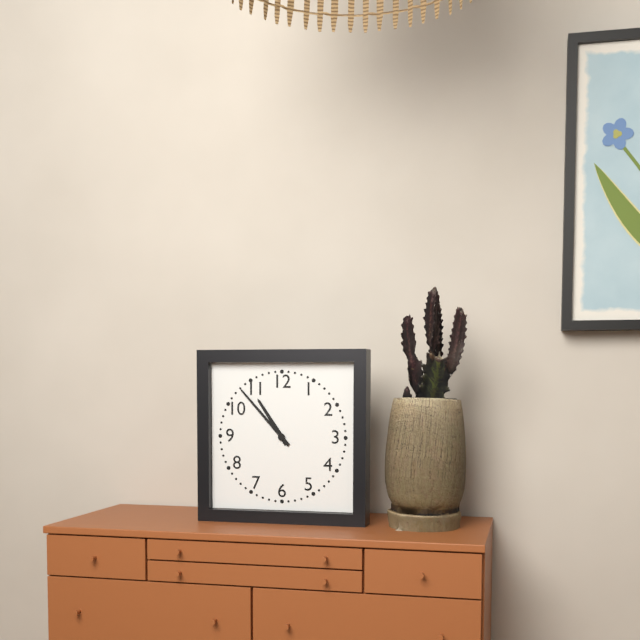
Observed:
{"hour": 10, "minute": 53}
